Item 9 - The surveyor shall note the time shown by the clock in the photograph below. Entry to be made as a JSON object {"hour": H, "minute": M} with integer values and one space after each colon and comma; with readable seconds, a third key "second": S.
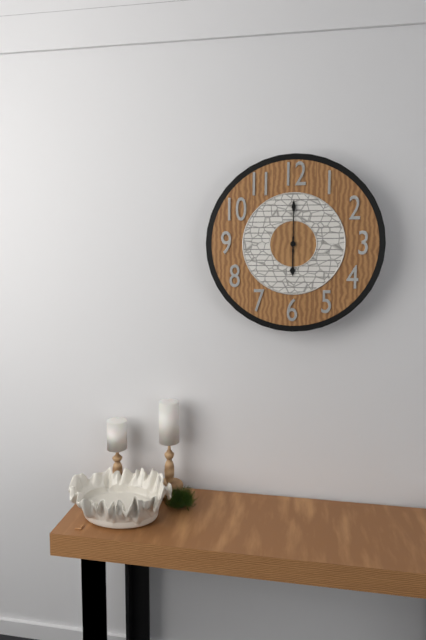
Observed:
{"hour": 6, "minute": 0}
